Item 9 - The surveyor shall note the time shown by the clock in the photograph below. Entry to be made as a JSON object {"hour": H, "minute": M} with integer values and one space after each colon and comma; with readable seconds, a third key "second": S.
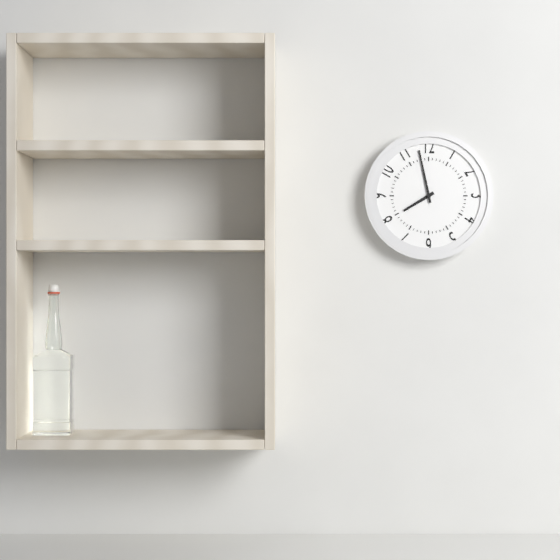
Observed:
{"hour": 7, "minute": 58}
